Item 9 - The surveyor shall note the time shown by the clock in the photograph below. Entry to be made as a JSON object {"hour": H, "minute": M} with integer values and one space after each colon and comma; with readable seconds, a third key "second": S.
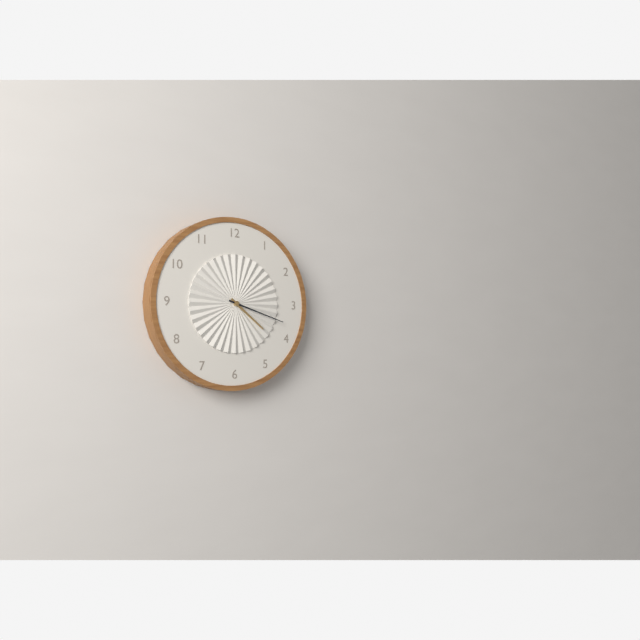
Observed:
{"hour": 4, "minute": 18}
